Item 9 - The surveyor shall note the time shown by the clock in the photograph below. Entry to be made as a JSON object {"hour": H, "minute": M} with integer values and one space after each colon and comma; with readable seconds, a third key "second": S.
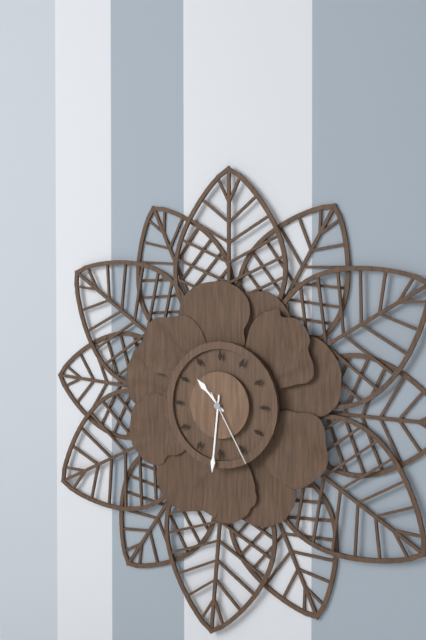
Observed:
{"hour": 10, "minute": 31, "second": 25}
